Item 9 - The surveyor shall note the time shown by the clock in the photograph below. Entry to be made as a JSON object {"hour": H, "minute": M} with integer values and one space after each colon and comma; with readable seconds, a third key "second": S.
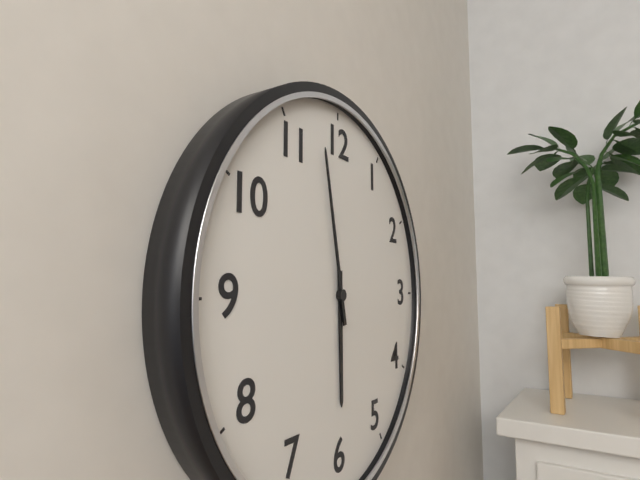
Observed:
{"hour": 5, "minute": 58}
